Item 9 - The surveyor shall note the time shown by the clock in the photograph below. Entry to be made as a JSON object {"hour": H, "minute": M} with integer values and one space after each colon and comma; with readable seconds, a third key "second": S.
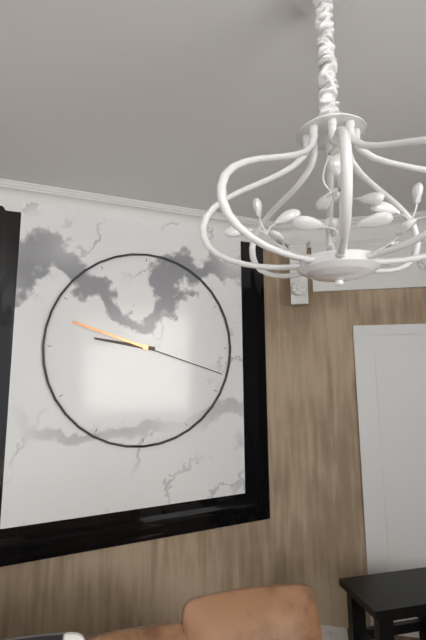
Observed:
{"hour": 9, "minute": 18}
